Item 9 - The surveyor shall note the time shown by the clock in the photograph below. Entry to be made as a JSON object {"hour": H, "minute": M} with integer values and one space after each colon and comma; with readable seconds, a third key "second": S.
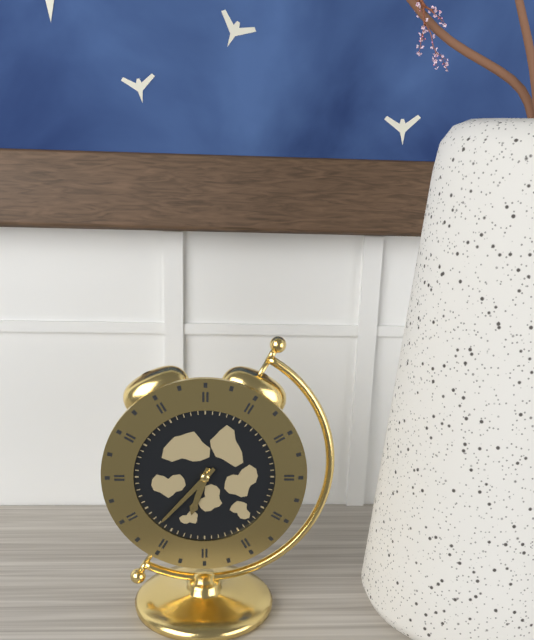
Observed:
{"hour": 6, "minute": 37}
